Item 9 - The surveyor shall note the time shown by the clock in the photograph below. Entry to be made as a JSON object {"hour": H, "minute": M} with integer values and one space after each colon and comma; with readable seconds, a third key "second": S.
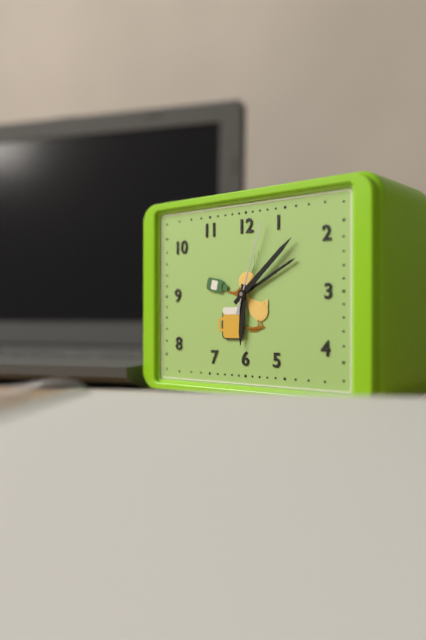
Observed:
{"hour": 6, "minute": 8, "second": 3}
